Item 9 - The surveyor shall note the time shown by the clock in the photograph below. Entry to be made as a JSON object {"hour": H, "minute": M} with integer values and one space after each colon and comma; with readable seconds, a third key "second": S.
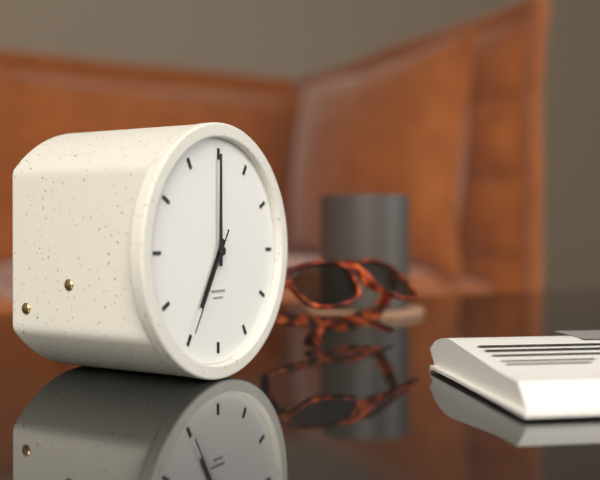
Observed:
{"hour": 7, "minute": 0, "second": 35}
